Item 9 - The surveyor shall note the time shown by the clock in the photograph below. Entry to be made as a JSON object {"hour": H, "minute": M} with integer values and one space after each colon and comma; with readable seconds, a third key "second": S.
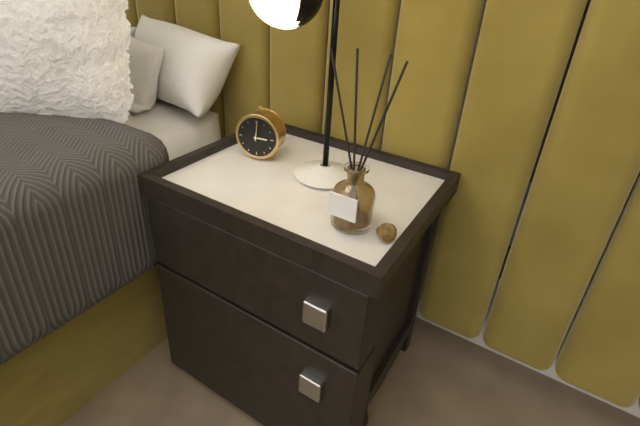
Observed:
{"hour": 3, "minute": 1}
